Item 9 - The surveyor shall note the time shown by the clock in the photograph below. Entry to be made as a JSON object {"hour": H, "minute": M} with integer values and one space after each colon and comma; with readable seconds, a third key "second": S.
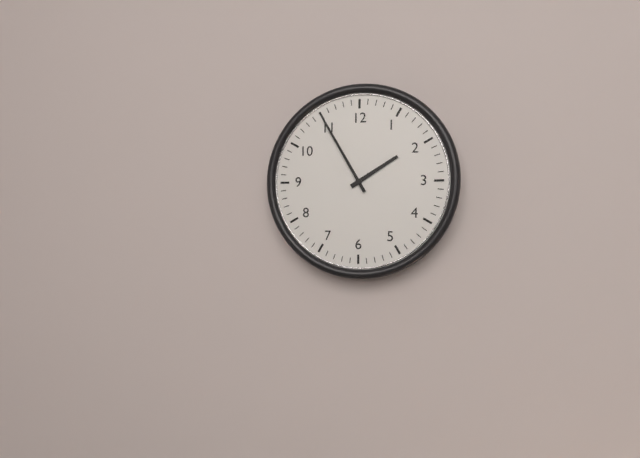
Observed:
{"hour": 1, "minute": 55}
